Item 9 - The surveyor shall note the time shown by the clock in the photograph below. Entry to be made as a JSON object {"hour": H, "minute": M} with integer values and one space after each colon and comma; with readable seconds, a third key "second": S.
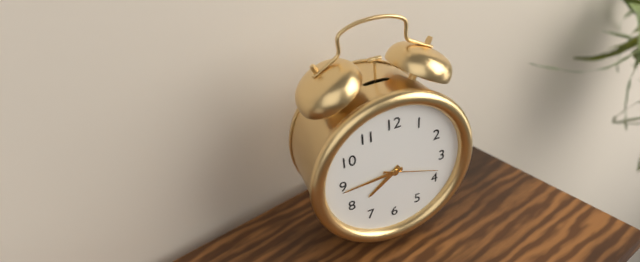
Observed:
{"hour": 7, "minute": 44, "second": 18}
